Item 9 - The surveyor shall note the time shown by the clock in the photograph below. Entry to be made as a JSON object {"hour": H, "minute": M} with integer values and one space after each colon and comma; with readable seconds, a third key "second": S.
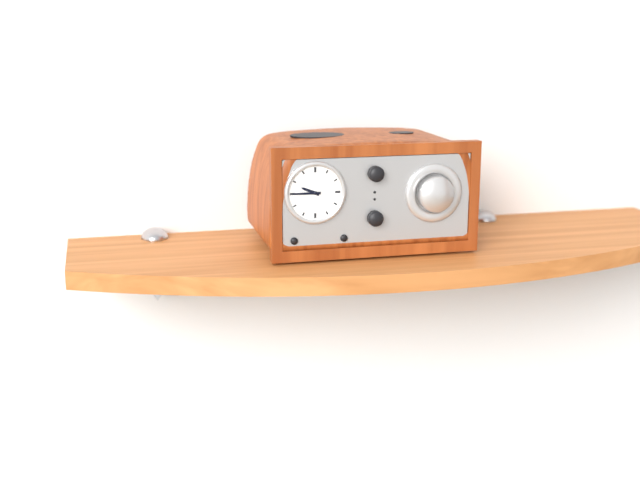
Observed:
{"hour": 9, "minute": 45}
